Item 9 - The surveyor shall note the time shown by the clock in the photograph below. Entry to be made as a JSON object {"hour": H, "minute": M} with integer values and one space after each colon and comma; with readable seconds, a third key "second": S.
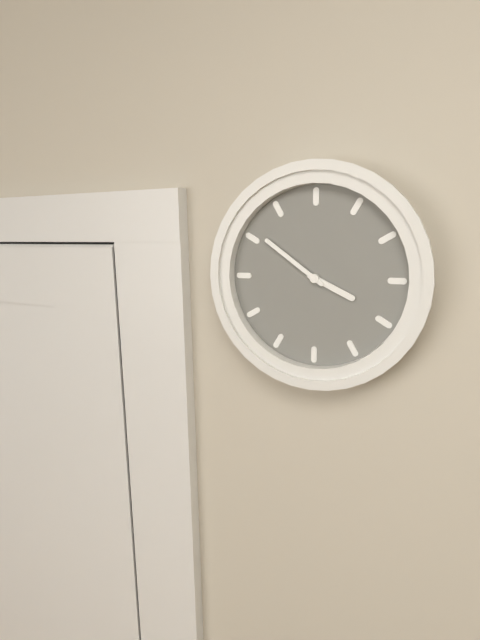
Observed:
{"hour": 3, "minute": 51}
